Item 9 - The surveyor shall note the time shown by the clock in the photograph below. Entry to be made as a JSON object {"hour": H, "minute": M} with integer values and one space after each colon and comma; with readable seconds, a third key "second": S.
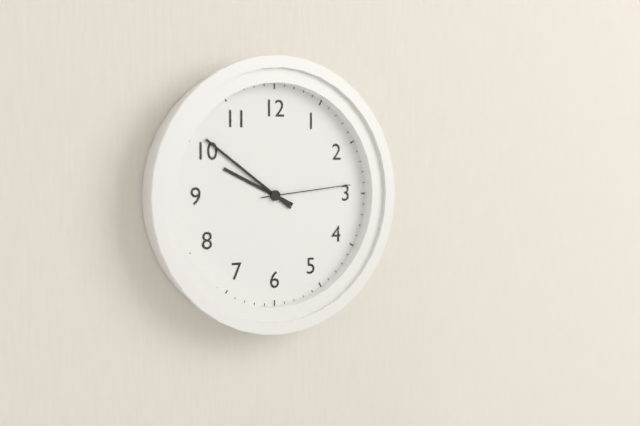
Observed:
{"hour": 9, "minute": 51, "second": 14}
